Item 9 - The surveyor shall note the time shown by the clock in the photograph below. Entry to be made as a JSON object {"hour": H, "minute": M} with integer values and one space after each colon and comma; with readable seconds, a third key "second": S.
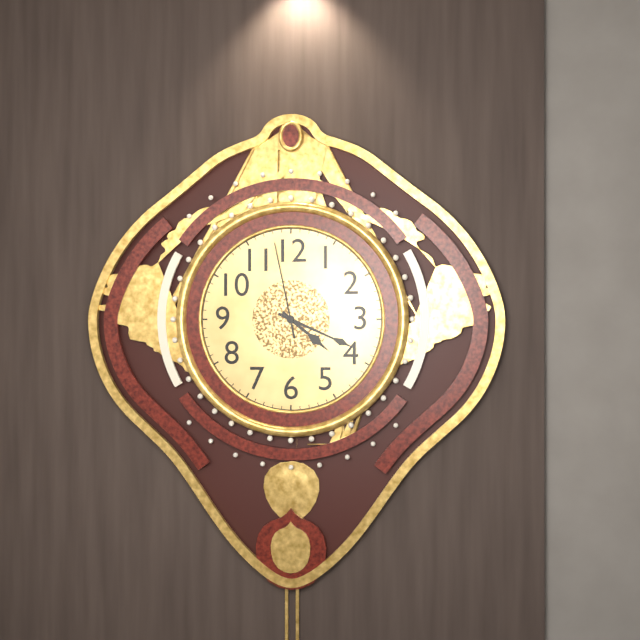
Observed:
{"hour": 4, "minute": 19, "second": 58}
